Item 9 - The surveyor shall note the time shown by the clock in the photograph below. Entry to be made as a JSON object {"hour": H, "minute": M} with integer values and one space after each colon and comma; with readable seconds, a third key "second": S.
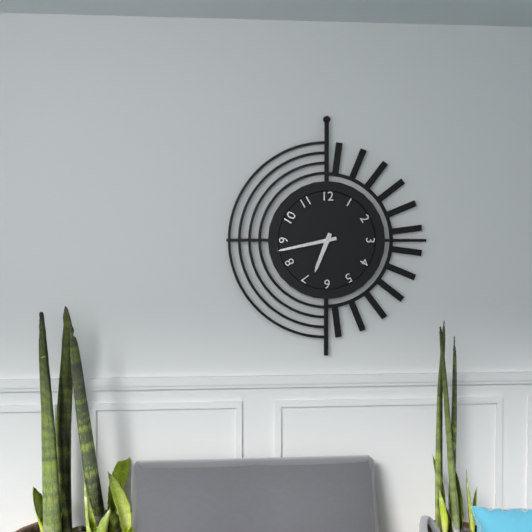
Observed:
{"hour": 6, "minute": 43}
